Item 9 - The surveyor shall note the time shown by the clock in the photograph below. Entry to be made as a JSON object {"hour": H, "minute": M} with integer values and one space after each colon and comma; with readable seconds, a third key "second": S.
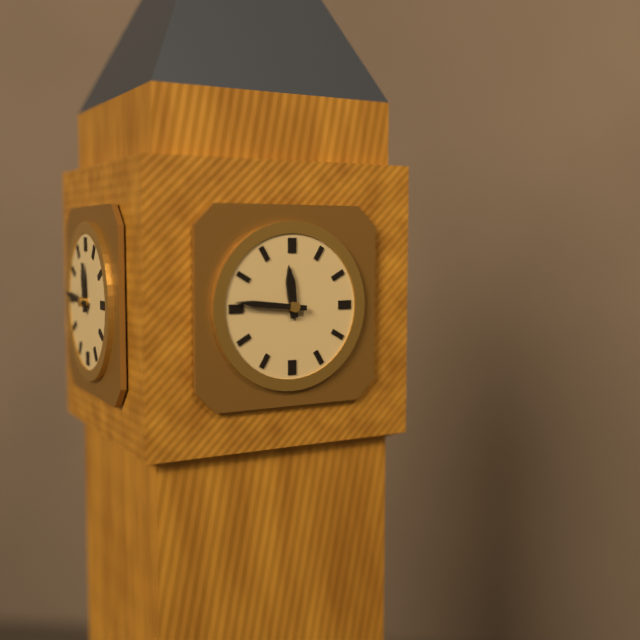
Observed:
{"hour": 11, "minute": 46}
